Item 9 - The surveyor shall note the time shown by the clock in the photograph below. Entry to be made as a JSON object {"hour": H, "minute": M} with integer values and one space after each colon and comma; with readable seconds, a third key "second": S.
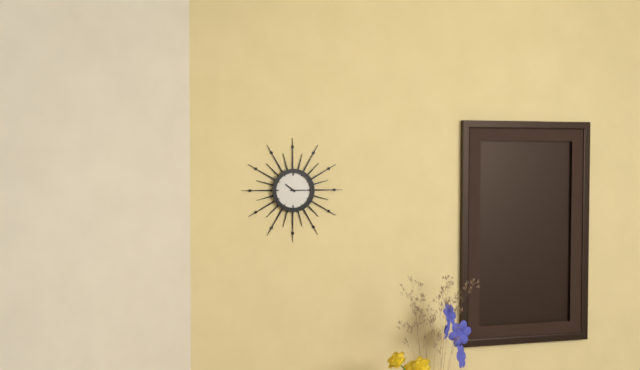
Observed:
{"hour": 10, "minute": 15}
